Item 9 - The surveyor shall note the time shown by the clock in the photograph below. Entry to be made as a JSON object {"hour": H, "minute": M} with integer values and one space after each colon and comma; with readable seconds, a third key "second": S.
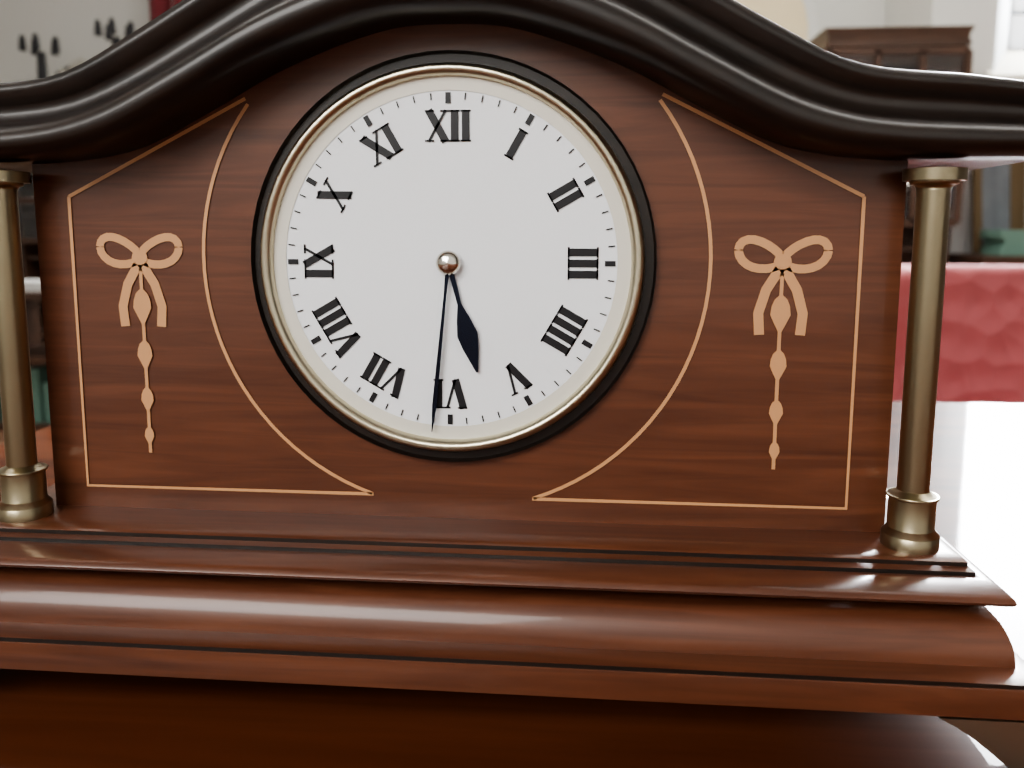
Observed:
{"hour": 5, "minute": 31}
